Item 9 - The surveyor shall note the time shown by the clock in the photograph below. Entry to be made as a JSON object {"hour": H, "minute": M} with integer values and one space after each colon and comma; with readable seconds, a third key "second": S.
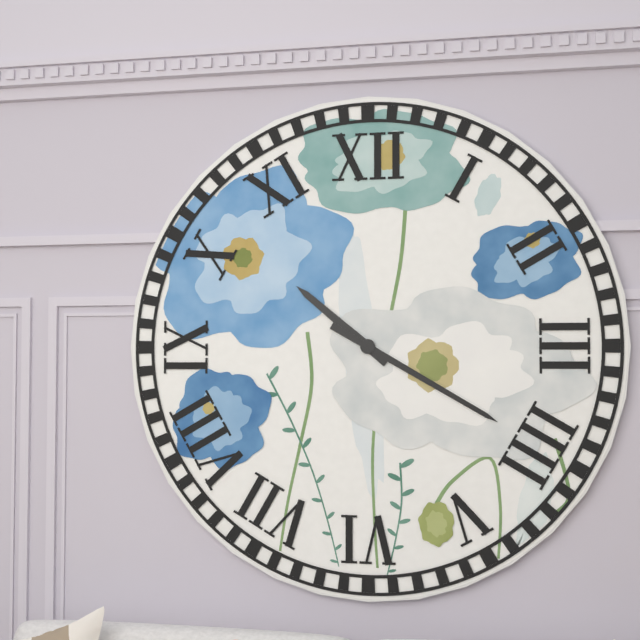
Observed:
{"hour": 10, "minute": 20}
